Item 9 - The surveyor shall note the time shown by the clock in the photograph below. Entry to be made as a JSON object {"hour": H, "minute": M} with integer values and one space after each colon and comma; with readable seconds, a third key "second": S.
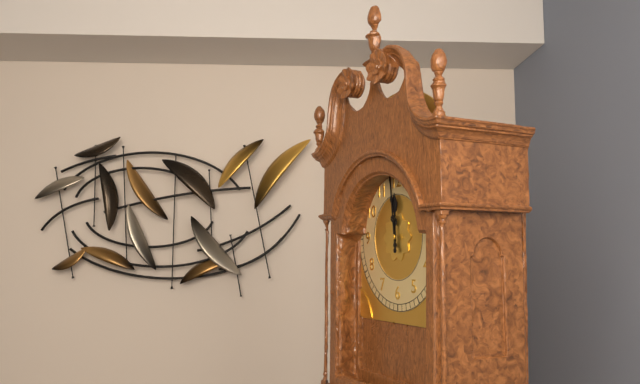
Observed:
{"hour": 11, "minute": 59}
